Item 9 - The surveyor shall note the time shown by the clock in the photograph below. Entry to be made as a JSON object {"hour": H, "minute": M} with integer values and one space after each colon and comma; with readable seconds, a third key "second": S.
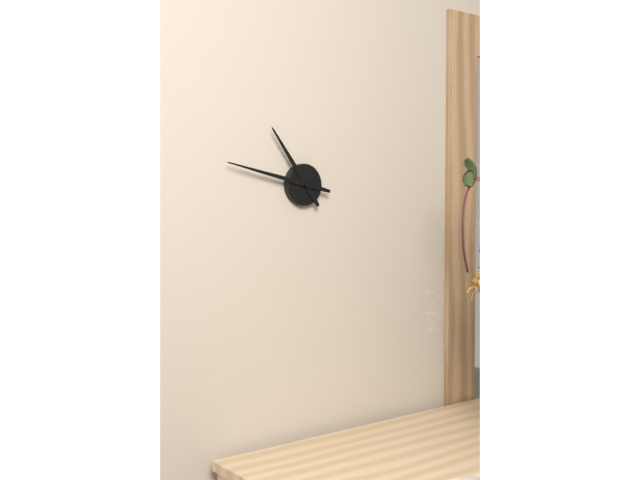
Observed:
{"hour": 10, "minute": 47}
